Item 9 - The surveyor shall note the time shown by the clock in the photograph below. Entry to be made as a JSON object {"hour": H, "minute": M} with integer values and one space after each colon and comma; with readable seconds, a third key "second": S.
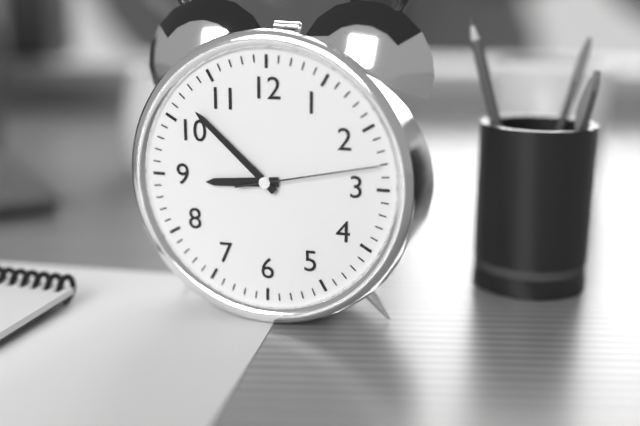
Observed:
{"hour": 8, "minute": 52, "second": 13}
